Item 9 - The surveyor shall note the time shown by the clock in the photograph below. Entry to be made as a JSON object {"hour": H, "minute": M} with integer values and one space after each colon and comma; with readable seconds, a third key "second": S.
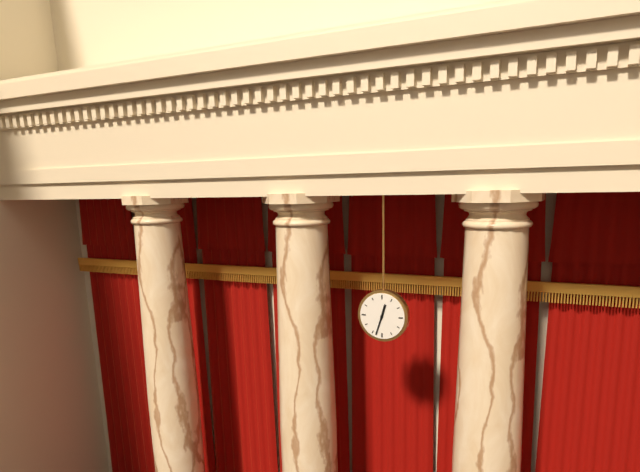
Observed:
{"hour": 12, "minute": 33}
